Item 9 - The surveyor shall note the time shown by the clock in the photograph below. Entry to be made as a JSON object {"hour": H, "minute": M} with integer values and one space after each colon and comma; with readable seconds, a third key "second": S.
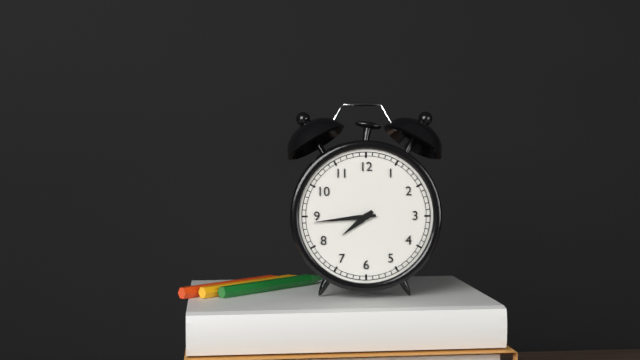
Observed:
{"hour": 7, "minute": 44}
